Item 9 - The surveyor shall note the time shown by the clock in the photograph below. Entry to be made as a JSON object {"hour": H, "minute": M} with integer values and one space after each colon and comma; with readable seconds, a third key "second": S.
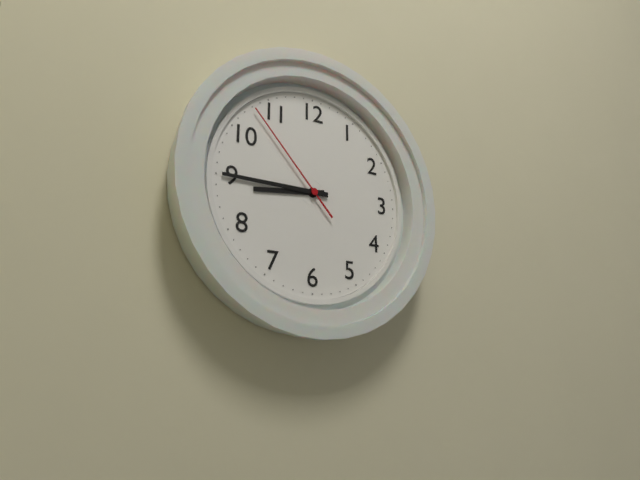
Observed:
{"hour": 8, "minute": 45, "second": 53}
